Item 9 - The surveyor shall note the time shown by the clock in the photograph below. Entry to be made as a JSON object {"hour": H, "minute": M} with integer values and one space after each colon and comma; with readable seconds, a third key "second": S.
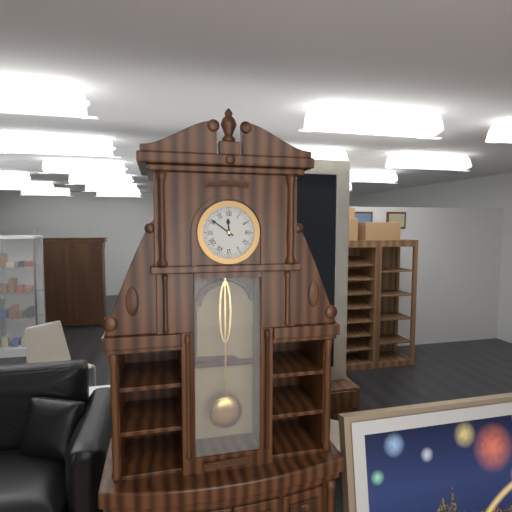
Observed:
{"hour": 11, "minute": 51}
